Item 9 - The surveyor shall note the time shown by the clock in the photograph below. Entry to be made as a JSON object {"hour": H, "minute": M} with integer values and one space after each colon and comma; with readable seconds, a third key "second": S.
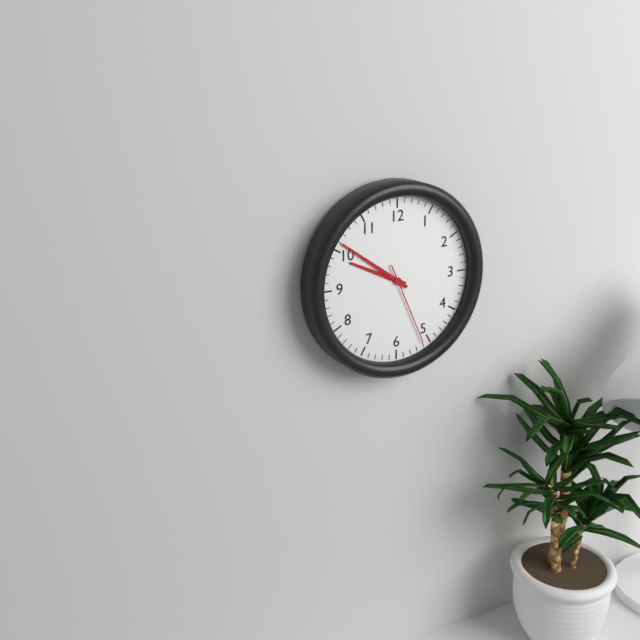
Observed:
{"hour": 9, "minute": 51, "second": 26}
